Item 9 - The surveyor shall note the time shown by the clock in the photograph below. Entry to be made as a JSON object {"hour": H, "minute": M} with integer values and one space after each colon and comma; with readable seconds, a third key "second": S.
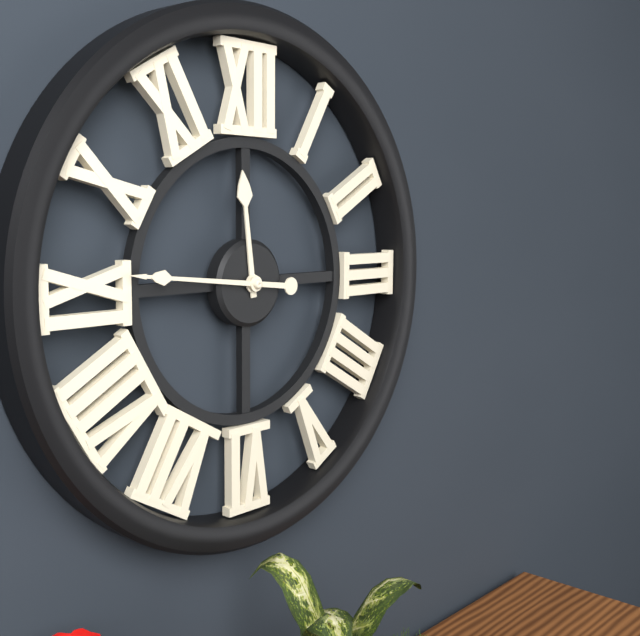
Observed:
{"hour": 11, "minute": 46}
